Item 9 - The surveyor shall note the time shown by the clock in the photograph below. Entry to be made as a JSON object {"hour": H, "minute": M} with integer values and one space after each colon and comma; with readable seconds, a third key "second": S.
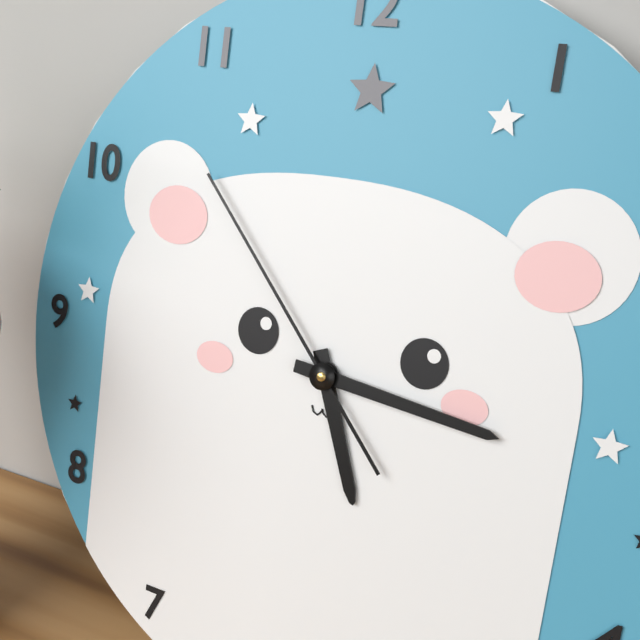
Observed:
{"hour": 5, "minute": 16, "second": 53}
